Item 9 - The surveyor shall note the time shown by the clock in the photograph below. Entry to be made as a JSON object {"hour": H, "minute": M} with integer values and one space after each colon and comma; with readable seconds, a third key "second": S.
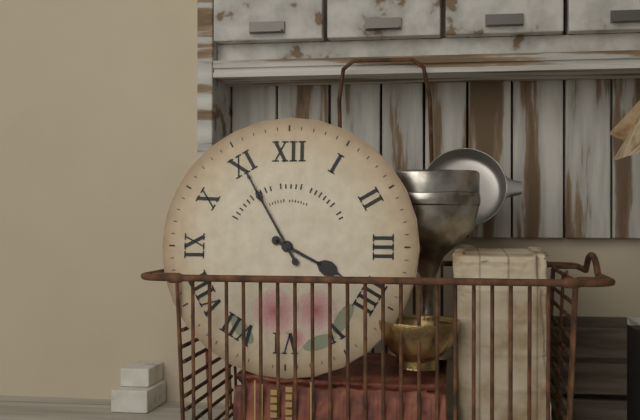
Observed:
{"hour": 3, "minute": 55}
